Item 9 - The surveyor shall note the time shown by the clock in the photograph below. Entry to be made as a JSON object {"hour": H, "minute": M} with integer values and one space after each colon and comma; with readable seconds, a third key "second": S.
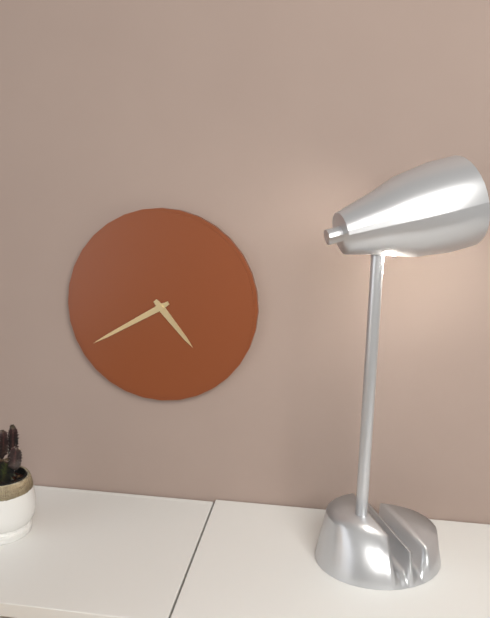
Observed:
{"hour": 4, "minute": 40}
